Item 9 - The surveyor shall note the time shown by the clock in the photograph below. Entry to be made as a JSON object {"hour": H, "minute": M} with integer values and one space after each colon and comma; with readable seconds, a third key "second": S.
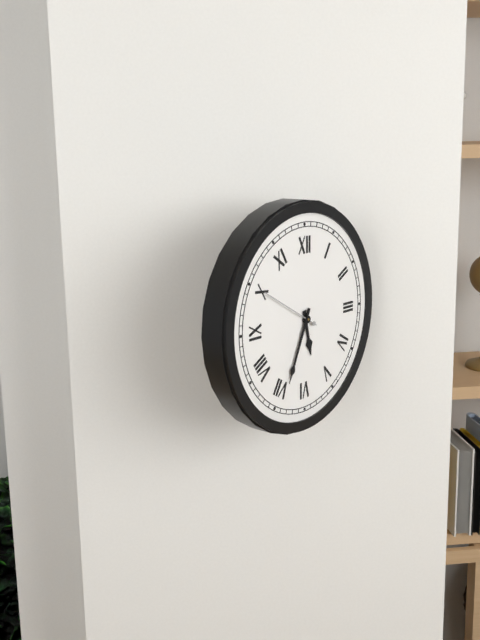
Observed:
{"hour": 5, "minute": 34, "second": 50}
